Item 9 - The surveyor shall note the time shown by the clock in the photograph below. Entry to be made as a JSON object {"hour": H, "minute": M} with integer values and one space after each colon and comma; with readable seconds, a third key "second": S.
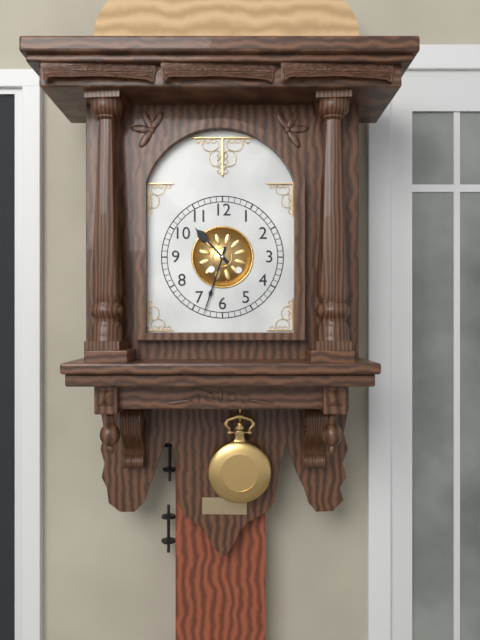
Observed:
{"hour": 10, "minute": 33}
